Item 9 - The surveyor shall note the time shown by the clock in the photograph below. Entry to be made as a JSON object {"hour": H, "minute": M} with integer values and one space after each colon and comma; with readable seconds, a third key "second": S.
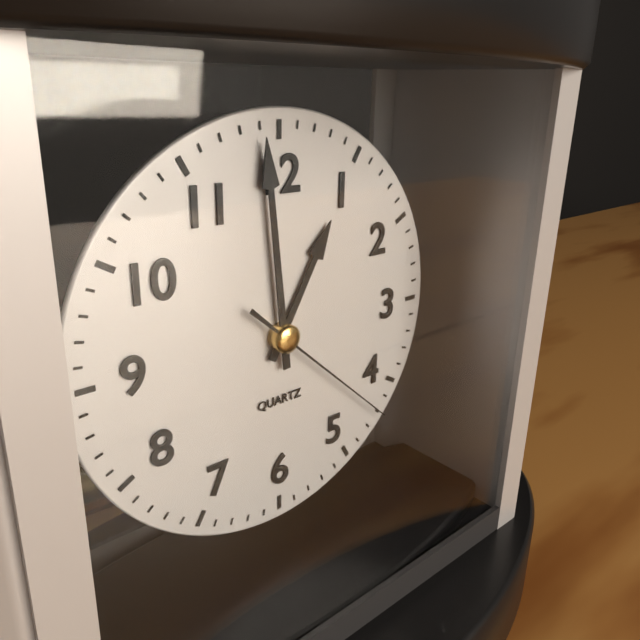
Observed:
{"hour": 12, "minute": 59, "second": 22}
